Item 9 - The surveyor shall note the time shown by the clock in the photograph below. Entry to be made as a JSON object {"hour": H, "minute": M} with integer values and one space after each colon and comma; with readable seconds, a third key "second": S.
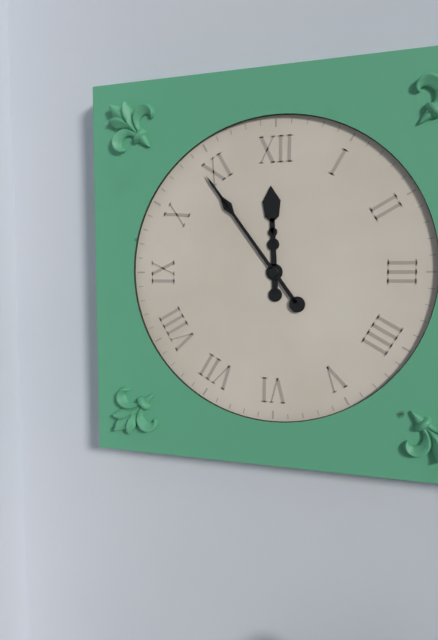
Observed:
{"hour": 11, "minute": 54}
